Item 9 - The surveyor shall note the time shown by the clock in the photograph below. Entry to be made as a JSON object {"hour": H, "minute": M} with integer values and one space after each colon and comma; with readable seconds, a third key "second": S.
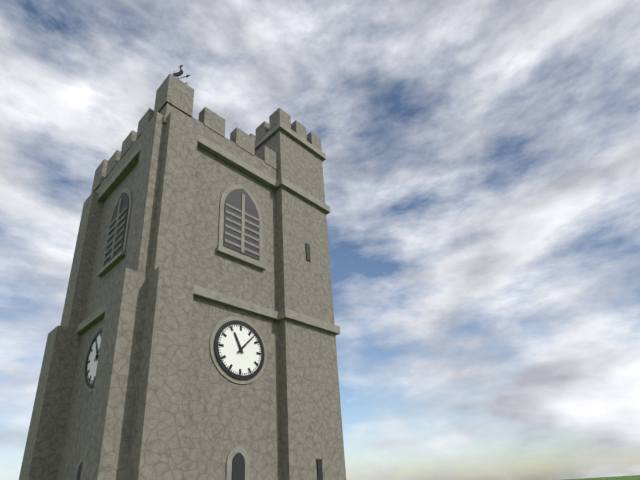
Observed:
{"hour": 11, "minute": 7}
